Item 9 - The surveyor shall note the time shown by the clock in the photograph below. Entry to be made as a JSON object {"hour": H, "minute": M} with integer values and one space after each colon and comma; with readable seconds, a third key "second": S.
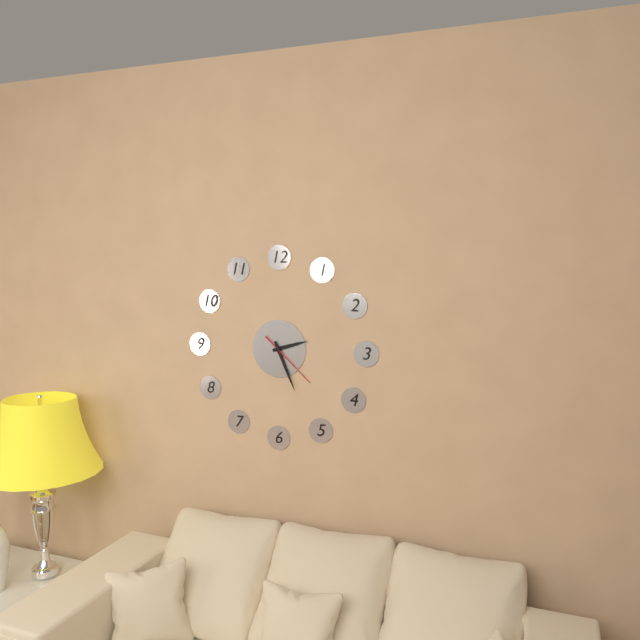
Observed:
{"hour": 2, "minute": 26, "second": 22}
